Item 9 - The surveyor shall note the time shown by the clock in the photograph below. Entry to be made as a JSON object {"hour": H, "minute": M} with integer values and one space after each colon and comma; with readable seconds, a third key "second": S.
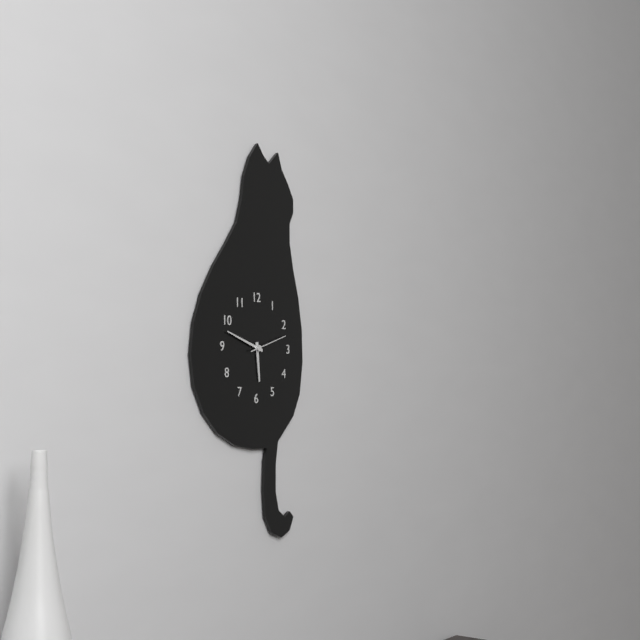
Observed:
{"hour": 5, "minute": 48}
